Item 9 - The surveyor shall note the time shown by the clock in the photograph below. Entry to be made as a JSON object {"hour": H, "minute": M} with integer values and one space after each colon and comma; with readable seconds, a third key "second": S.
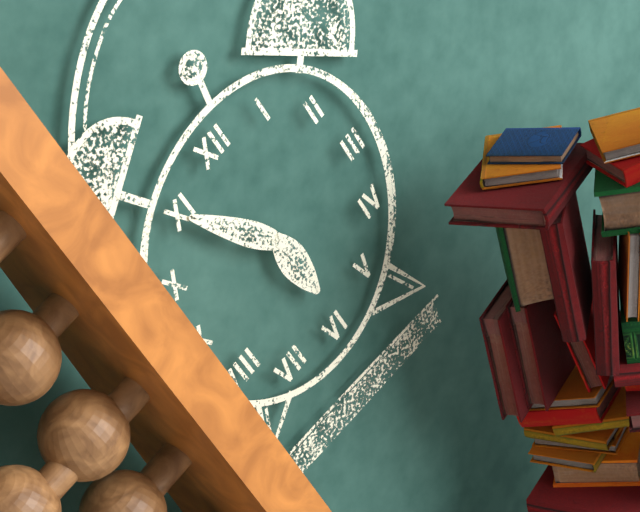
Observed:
{"hour": 5, "minute": 55}
